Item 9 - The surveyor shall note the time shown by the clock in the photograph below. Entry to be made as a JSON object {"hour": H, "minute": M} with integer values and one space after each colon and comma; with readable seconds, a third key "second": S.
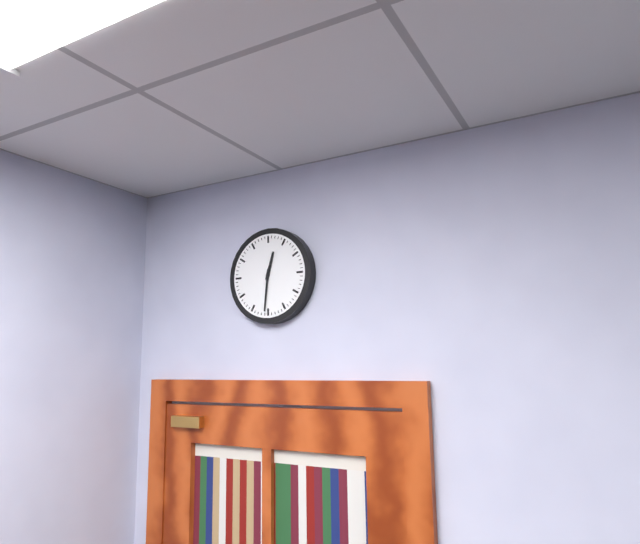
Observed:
{"hour": 12, "minute": 31}
